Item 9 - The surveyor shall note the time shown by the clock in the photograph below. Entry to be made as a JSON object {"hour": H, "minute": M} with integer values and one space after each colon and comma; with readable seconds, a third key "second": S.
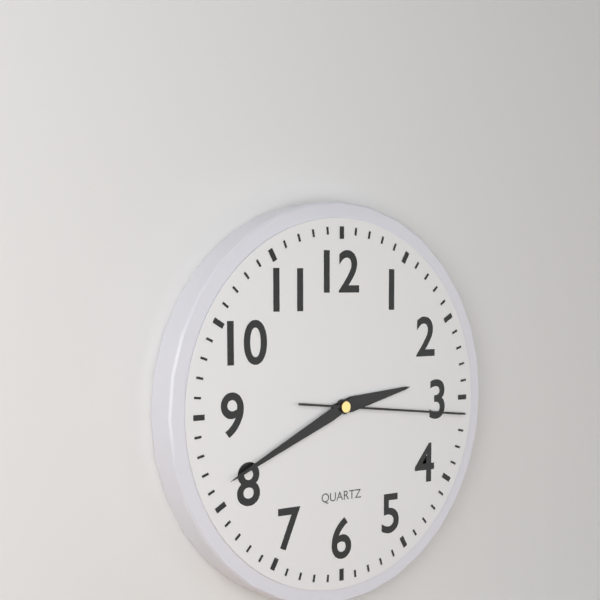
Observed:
{"hour": 2, "minute": 41, "second": 16}
